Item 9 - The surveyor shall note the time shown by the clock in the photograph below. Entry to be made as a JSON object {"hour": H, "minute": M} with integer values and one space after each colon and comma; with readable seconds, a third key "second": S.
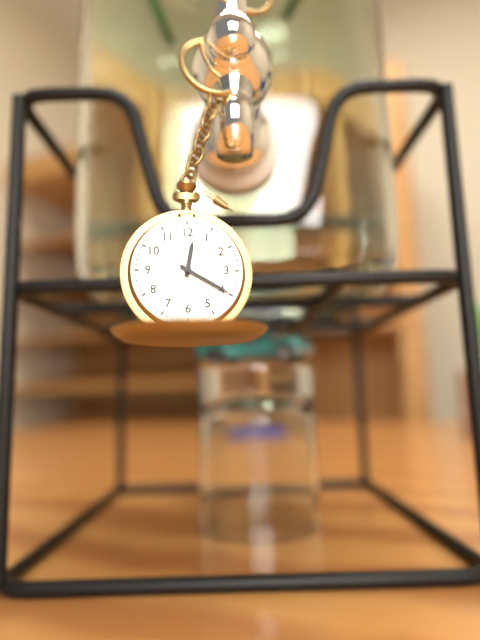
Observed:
{"hour": 12, "minute": 20}
